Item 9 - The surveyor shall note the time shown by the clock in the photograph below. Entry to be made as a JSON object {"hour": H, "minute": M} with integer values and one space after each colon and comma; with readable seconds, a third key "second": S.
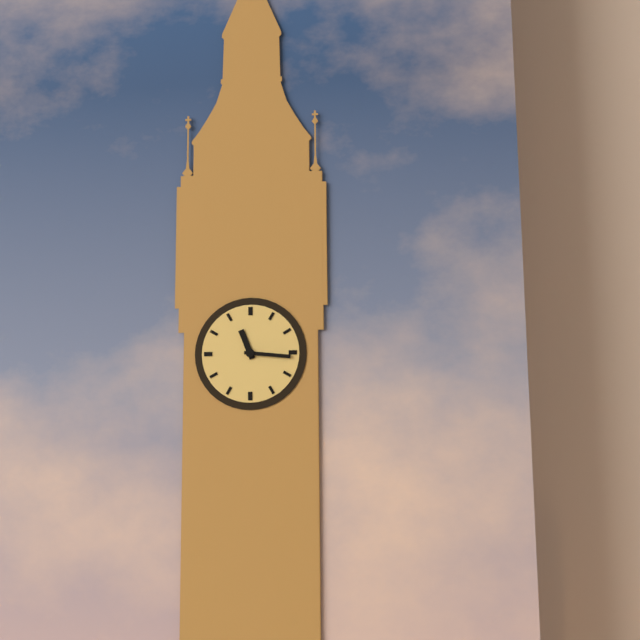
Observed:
{"hour": 11, "minute": 16}
